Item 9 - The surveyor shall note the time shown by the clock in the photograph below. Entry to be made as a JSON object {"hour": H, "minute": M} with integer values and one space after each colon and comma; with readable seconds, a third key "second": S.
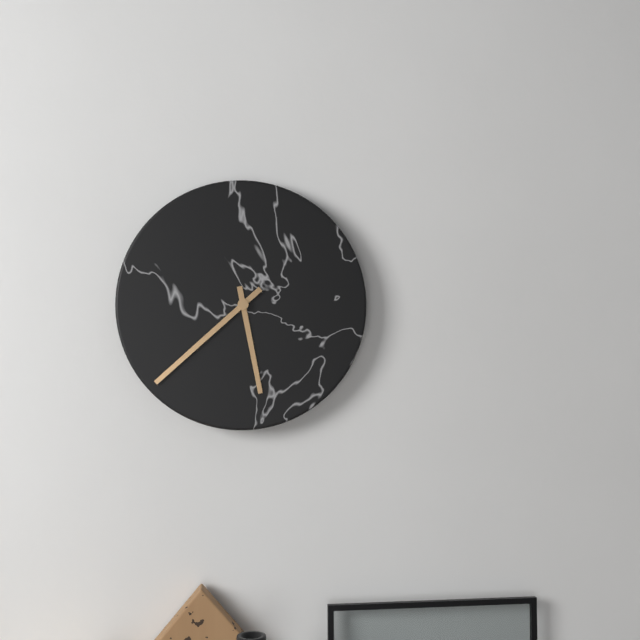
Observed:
{"hour": 5, "minute": 38}
